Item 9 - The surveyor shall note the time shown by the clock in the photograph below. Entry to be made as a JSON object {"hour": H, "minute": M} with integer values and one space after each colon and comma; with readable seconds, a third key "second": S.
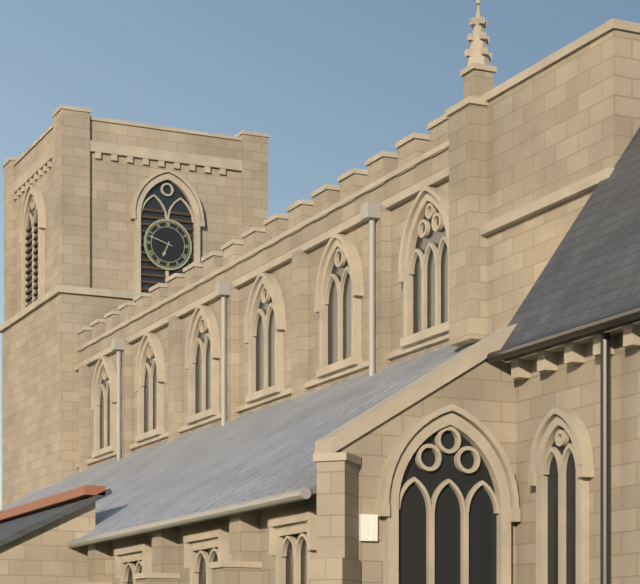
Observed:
{"hour": 6, "minute": 48}
